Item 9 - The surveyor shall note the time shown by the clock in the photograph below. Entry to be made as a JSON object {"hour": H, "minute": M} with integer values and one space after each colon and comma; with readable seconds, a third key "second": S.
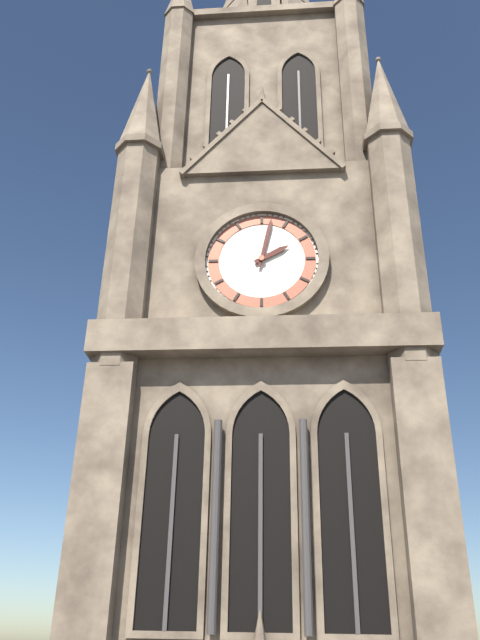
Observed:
{"hour": 2, "minute": 2}
